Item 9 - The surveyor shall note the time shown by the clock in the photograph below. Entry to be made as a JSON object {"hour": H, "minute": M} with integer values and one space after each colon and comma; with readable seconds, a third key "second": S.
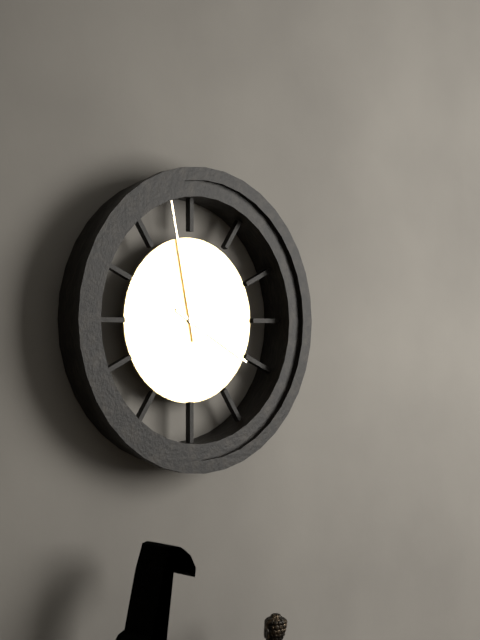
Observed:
{"hour": 3, "minute": 58}
